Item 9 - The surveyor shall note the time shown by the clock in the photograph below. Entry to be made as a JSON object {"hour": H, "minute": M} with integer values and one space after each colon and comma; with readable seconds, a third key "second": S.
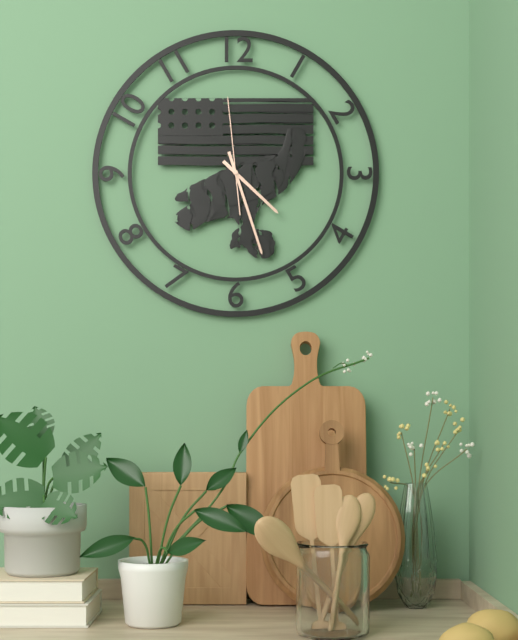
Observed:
{"hour": 4, "minute": 27, "second": 59}
